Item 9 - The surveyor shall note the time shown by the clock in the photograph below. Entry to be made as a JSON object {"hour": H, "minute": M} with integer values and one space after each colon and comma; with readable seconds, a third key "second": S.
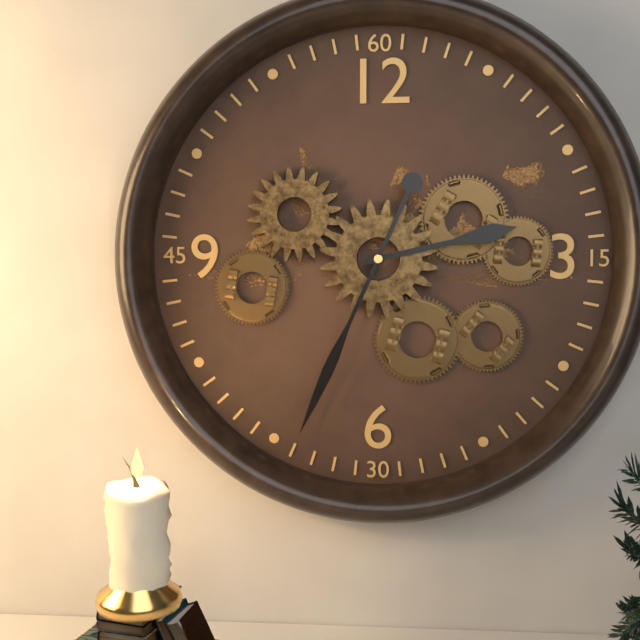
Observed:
{"hour": 2, "minute": 34}
